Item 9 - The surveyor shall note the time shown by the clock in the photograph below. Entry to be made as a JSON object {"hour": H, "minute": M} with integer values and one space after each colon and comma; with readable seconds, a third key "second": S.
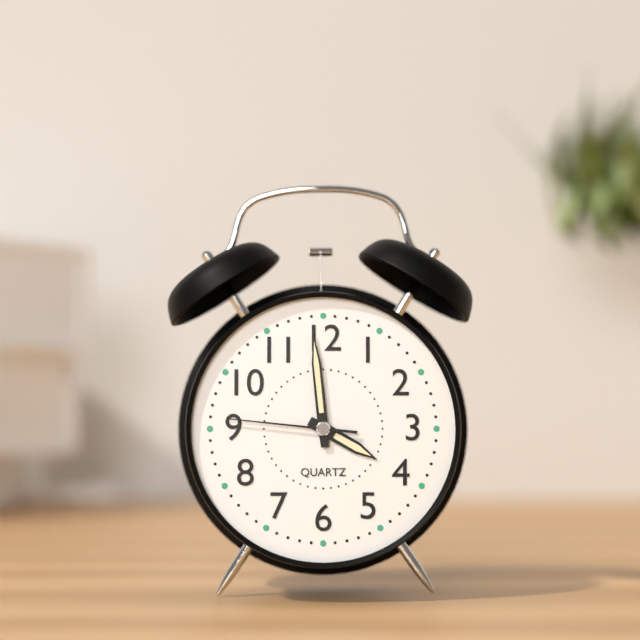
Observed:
{"hour": 3, "minute": 59, "second": 46}
